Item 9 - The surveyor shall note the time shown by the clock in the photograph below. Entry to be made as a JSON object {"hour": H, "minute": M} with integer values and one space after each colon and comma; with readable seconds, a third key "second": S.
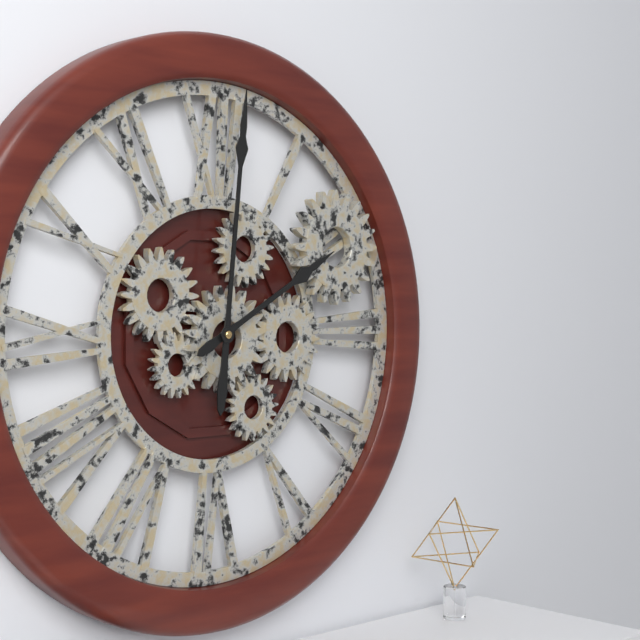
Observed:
{"hour": 2, "minute": 1}
